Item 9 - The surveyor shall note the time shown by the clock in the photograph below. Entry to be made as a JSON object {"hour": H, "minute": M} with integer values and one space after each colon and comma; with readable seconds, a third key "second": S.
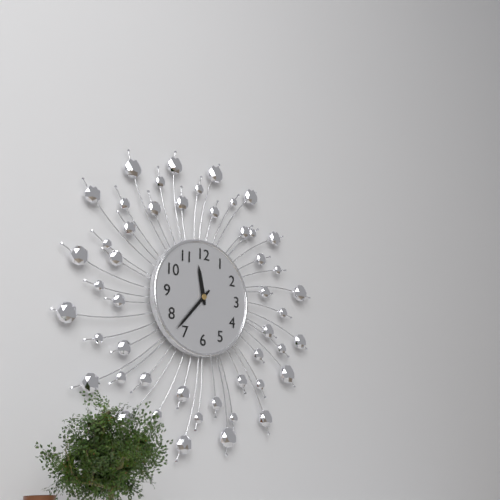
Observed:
{"hour": 11, "minute": 37}
